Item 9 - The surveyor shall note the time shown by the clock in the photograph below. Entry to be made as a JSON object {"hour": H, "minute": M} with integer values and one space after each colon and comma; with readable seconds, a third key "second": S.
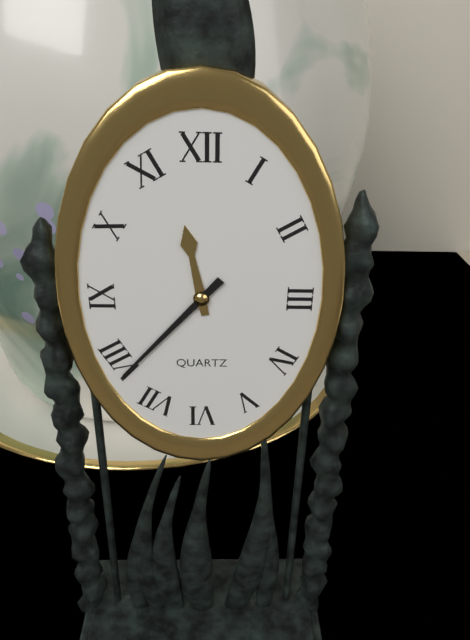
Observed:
{"hour": 11, "minute": 37}
